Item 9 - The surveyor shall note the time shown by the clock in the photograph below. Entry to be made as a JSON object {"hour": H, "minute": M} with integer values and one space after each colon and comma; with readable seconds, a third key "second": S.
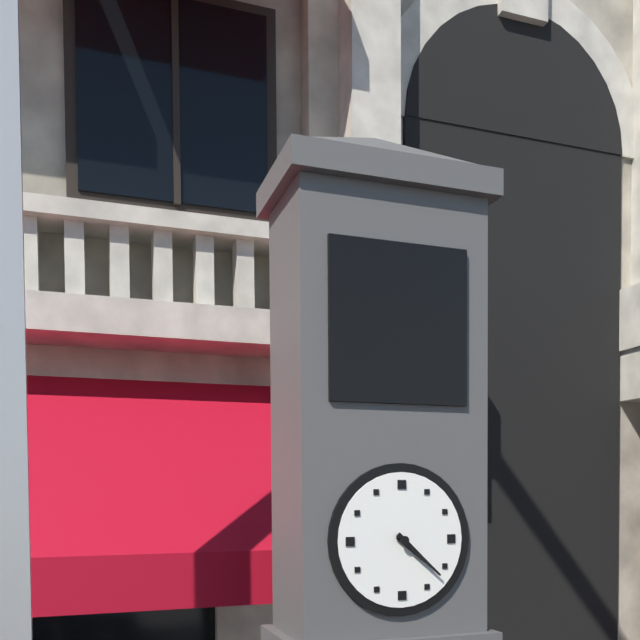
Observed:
{"hour": 4, "minute": 22}
